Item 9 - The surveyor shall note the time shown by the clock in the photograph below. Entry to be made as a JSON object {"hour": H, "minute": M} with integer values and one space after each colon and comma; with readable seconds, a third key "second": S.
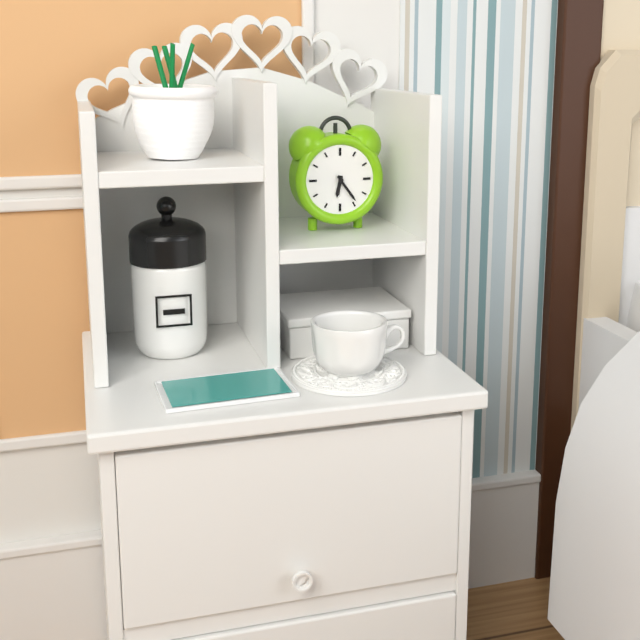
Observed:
{"hour": 6, "minute": 24}
